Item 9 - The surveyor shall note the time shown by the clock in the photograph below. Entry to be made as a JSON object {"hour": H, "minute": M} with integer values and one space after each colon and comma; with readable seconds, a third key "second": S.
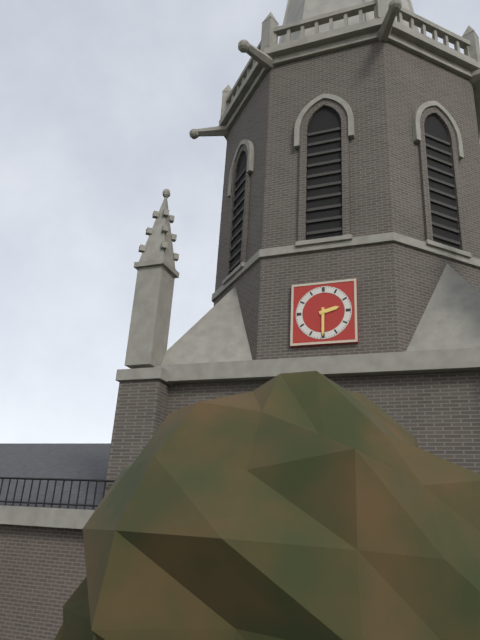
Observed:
{"hour": 2, "minute": 30}
